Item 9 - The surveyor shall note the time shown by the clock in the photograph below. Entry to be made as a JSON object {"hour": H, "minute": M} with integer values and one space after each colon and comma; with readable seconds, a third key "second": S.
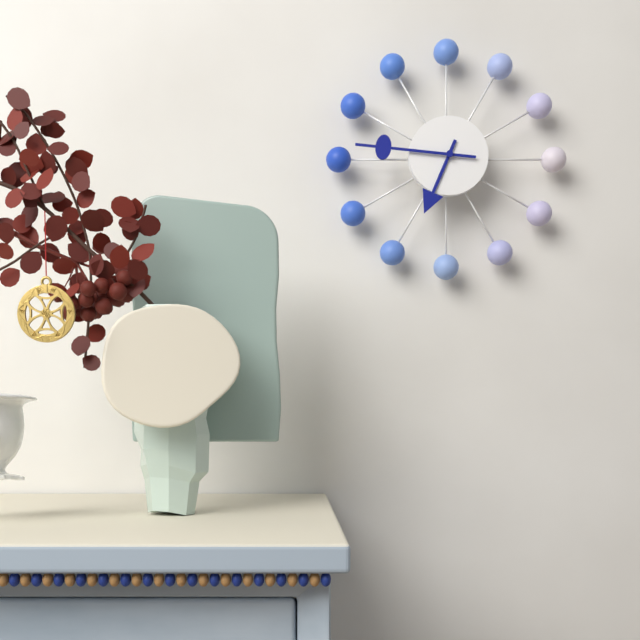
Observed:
{"hour": 6, "minute": 46}
